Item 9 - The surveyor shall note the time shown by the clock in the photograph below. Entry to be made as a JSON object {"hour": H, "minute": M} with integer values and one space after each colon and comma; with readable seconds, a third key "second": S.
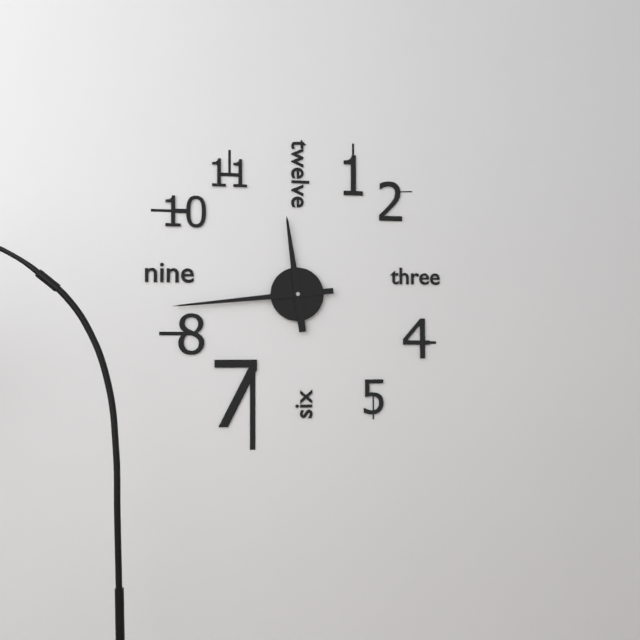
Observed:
{"hour": 11, "minute": 44}
